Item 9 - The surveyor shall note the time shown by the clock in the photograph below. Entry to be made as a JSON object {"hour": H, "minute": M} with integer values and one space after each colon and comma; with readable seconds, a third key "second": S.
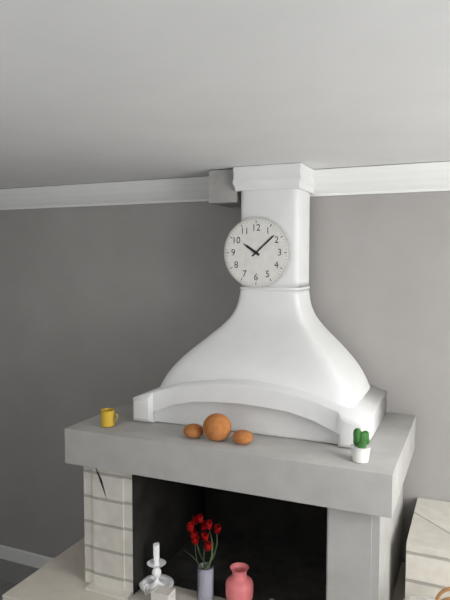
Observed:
{"hour": 10, "minute": 8}
